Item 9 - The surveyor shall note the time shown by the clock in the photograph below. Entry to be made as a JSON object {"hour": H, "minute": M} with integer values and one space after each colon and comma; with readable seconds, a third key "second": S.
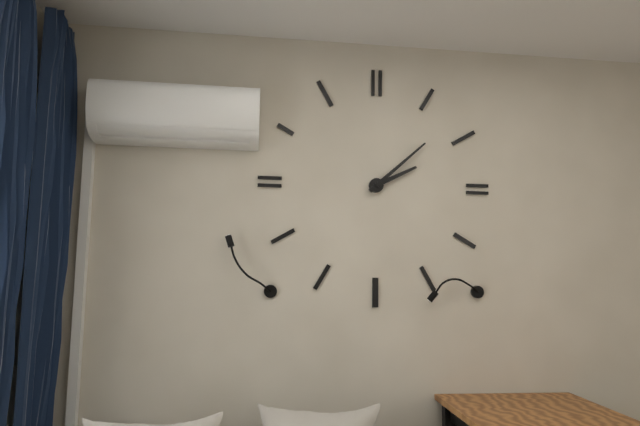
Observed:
{"hour": 2, "minute": 8}
